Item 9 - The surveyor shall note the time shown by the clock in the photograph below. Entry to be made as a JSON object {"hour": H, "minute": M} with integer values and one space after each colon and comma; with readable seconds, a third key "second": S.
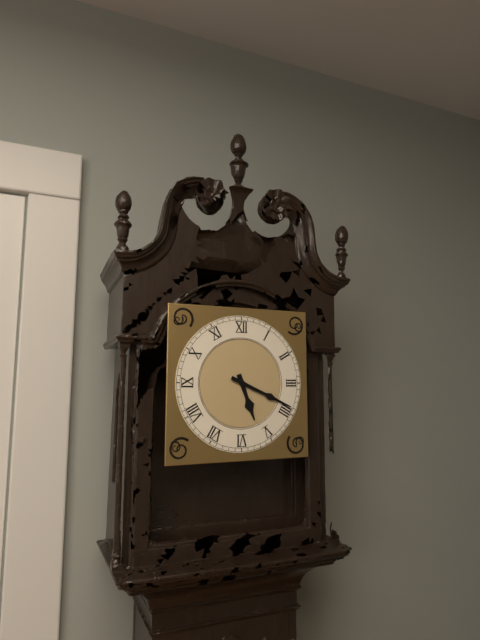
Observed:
{"hour": 5, "minute": 19}
